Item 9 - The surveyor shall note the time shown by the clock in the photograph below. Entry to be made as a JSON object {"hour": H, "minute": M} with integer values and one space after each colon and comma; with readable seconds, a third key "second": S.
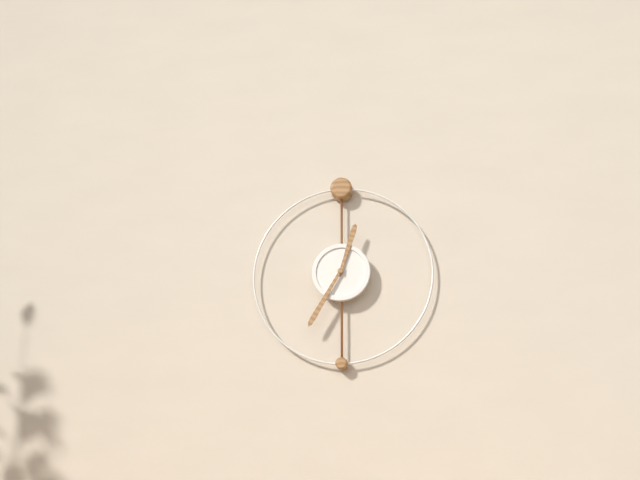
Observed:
{"hour": 12, "minute": 35}
